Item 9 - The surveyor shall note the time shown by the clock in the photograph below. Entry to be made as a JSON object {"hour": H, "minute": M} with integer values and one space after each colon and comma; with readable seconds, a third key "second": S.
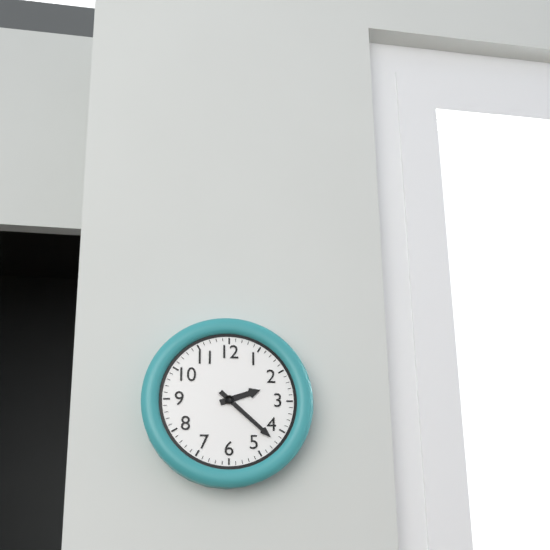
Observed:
{"hour": 2, "minute": 22}
